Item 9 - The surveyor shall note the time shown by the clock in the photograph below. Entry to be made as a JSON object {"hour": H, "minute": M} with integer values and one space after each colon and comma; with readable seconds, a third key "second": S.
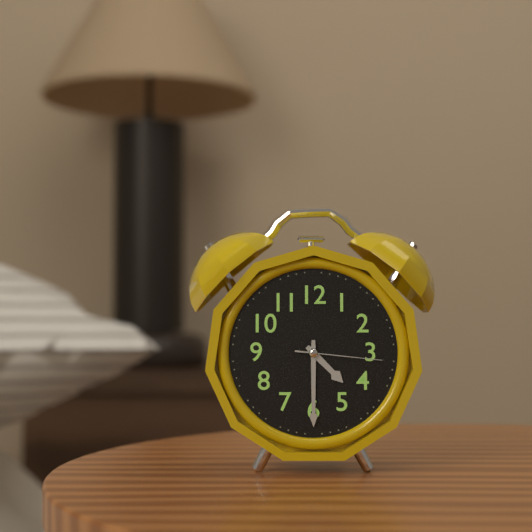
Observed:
{"hour": 4, "minute": 30, "second": 16}
